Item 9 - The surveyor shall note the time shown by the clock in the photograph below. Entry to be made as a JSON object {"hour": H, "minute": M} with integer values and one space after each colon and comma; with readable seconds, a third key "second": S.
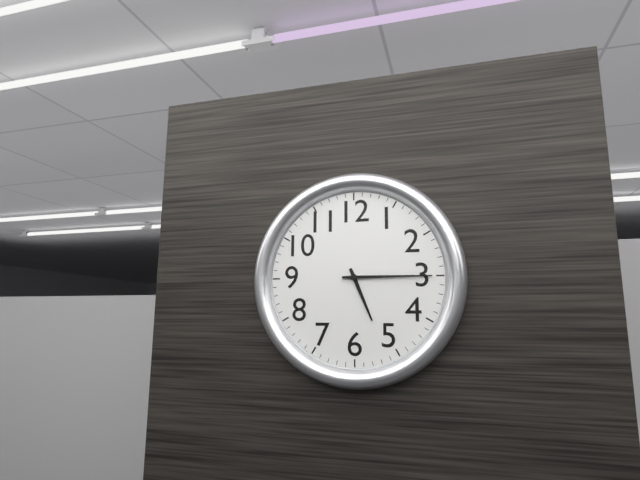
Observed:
{"hour": 5, "minute": 15}
